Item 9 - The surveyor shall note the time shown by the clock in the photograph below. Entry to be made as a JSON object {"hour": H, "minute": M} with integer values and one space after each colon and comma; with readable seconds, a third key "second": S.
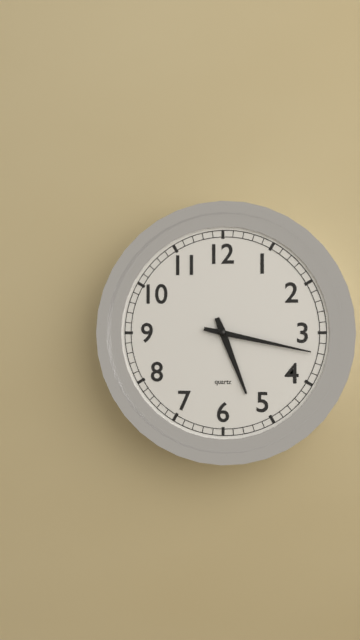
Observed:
{"hour": 5, "minute": 17}
